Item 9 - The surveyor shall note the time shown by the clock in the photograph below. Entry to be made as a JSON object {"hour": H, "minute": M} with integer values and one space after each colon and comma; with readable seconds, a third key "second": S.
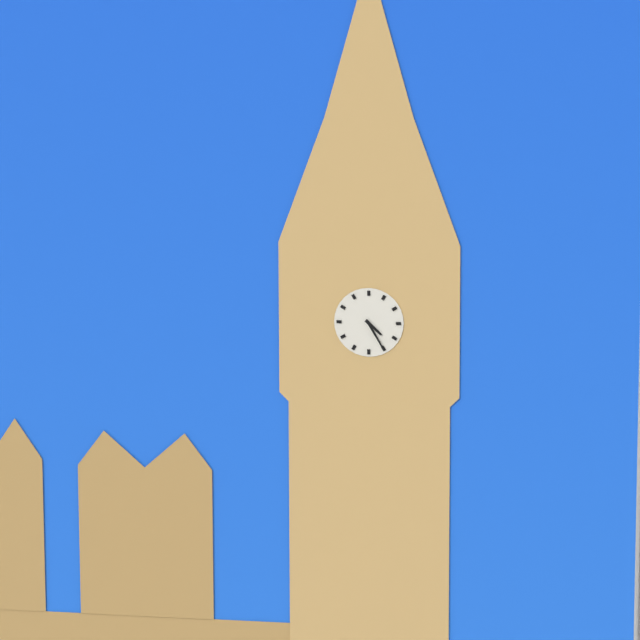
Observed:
{"hour": 4, "minute": 25}
